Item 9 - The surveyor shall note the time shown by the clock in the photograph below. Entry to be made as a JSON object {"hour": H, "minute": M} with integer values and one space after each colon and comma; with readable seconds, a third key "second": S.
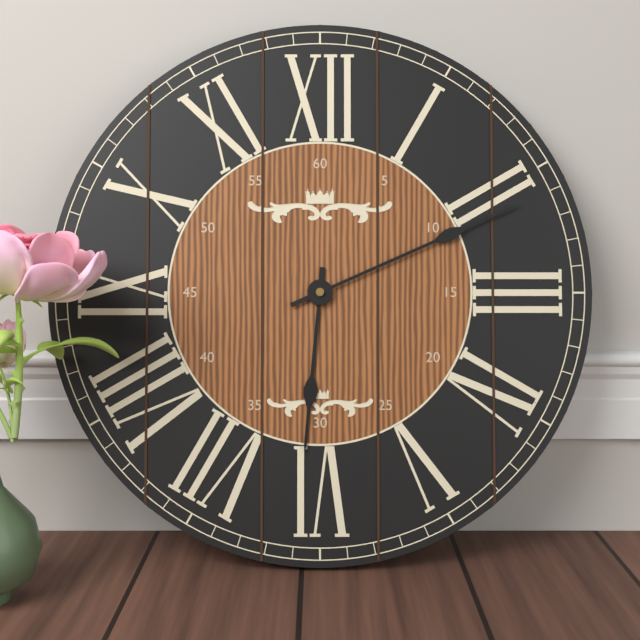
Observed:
{"hour": 6, "minute": 11}
